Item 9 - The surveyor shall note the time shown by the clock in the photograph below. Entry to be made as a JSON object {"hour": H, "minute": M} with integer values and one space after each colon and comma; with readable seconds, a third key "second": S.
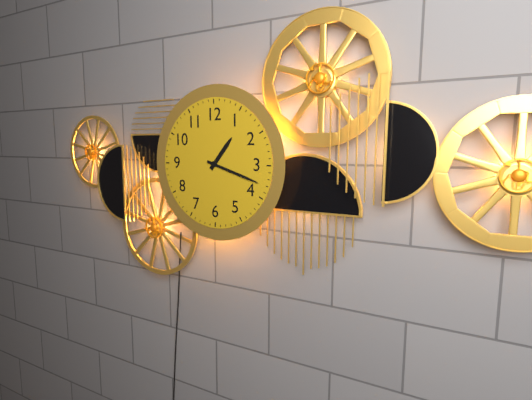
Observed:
{"hour": 1, "minute": 18}
